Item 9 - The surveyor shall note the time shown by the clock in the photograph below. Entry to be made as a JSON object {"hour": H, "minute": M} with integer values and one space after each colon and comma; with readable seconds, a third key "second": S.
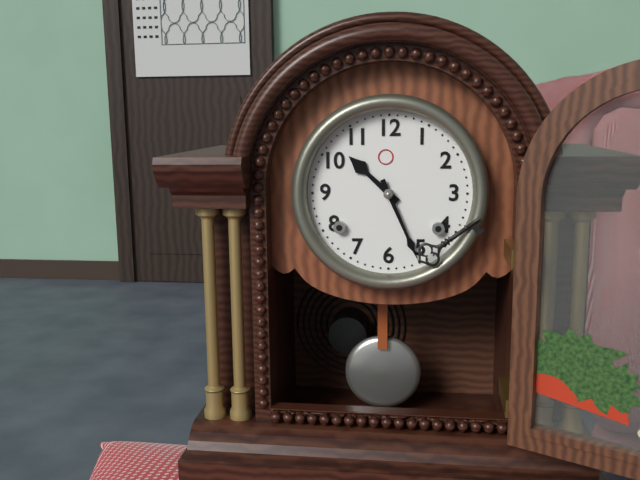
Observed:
{"hour": 10, "minute": 26}
